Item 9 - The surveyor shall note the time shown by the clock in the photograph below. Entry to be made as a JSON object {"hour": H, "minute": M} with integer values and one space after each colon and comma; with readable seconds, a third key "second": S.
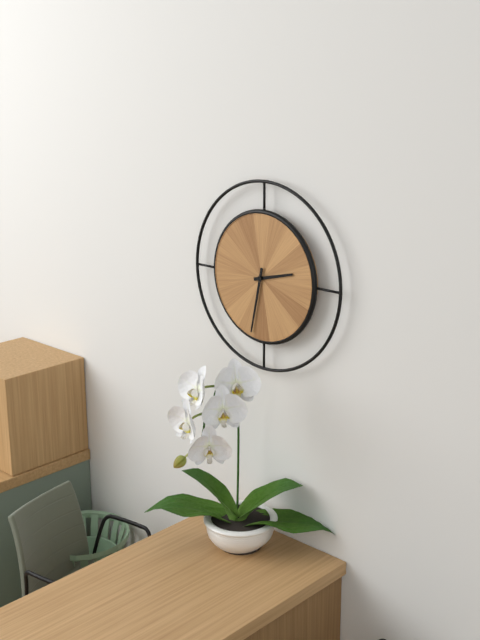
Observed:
{"hour": 2, "minute": 32}
